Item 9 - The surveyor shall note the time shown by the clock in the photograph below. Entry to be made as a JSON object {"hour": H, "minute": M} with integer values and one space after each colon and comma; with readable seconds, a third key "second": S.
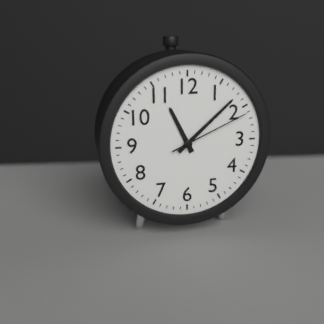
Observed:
{"hour": 11, "minute": 8, "second": 11}
